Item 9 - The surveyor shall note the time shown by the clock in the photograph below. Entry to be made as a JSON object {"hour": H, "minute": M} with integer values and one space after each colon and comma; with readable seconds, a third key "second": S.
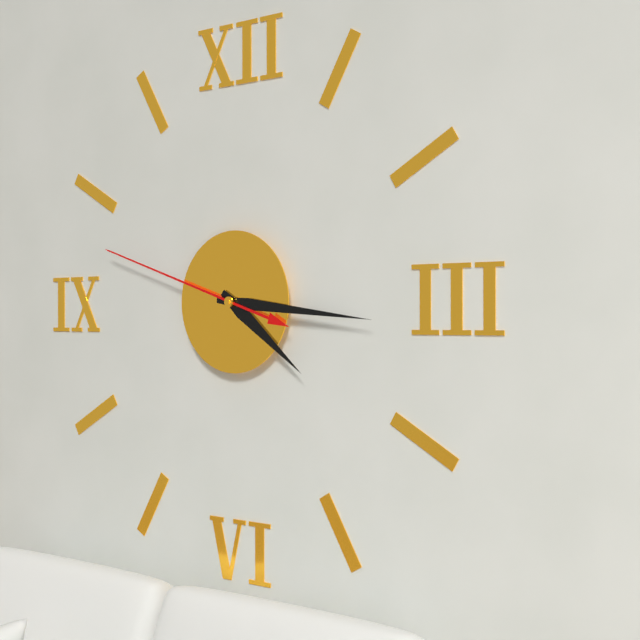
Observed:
{"hour": 4, "minute": 16, "second": 48}
